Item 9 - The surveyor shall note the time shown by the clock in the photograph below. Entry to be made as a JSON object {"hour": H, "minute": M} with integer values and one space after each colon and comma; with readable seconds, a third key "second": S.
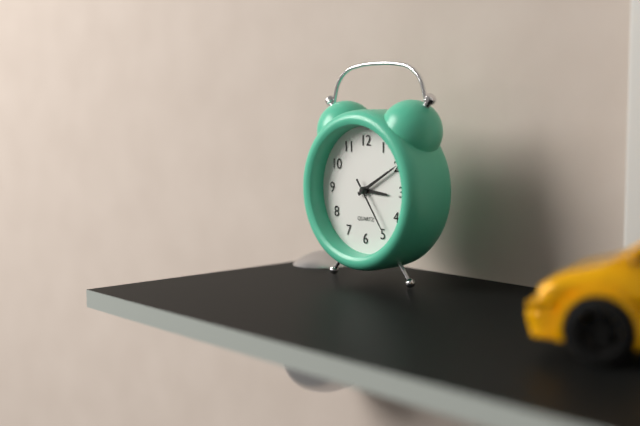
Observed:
{"hour": 3, "minute": 10, "second": 24}
